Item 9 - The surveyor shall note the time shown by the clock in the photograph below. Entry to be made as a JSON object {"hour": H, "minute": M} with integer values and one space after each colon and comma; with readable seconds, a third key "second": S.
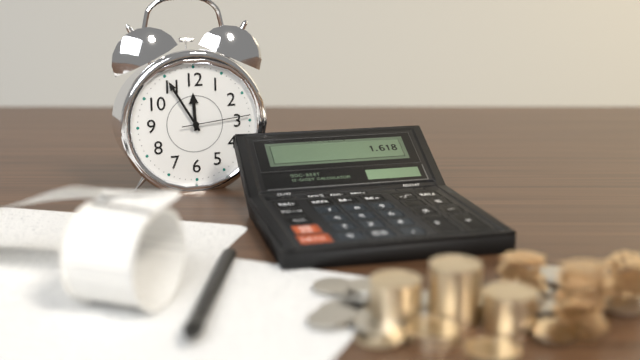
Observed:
{"hour": 11, "minute": 55, "second": 14}
